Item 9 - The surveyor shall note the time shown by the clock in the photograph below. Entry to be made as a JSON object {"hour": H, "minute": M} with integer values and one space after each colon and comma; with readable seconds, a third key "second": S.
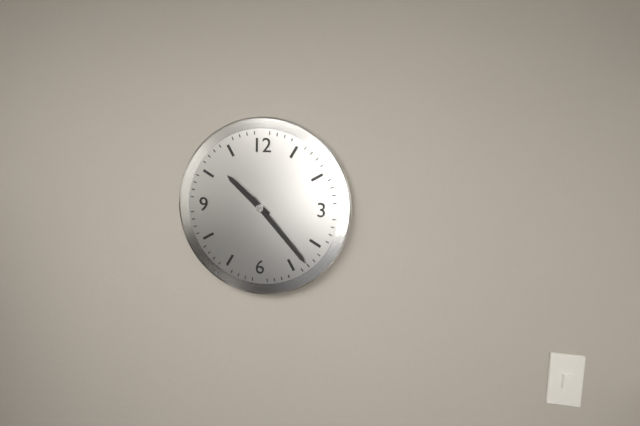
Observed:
{"hour": 10, "minute": 23}
